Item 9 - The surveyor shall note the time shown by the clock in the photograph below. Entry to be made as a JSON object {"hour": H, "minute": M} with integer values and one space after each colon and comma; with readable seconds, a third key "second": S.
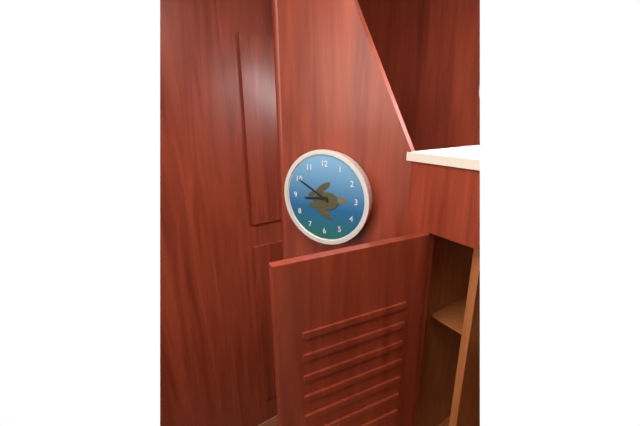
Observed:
{"hour": 8, "minute": 50}
